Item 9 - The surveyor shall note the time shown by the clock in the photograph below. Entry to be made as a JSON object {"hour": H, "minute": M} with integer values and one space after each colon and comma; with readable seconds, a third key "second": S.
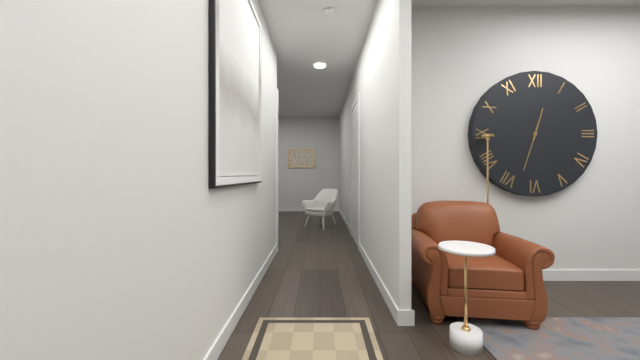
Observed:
{"hour": 12, "minute": 33}
